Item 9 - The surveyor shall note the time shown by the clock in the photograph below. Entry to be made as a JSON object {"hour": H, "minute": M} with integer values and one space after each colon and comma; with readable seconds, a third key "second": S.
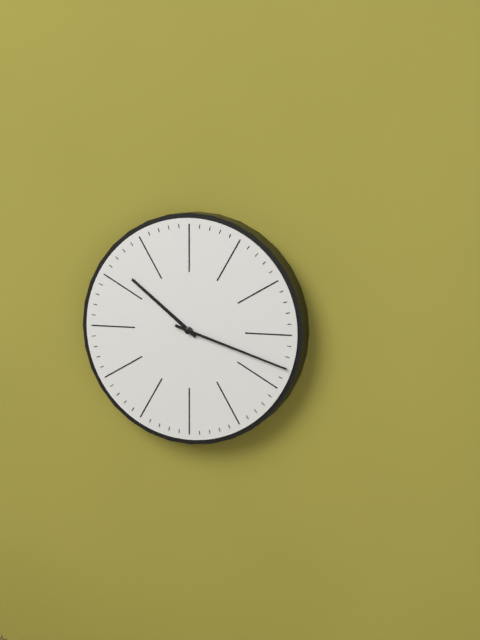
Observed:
{"hour": 10, "minute": 18}
